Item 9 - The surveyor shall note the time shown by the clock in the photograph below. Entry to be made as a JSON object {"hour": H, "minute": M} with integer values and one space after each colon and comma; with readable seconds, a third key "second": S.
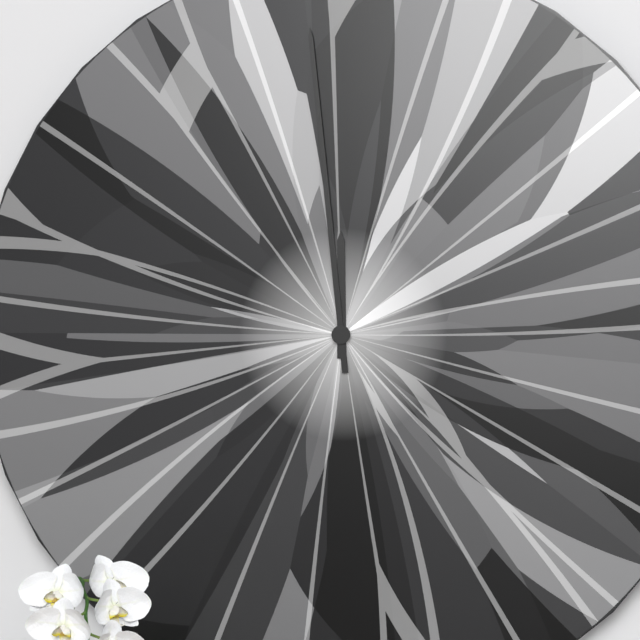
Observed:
{"hour": 11, "minute": 59}
